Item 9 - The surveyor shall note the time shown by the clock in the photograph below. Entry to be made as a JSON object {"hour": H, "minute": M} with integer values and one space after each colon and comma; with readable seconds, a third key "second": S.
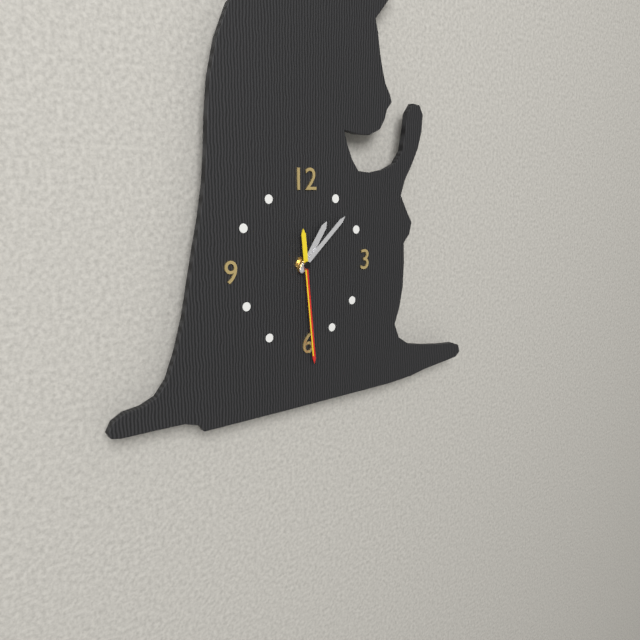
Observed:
{"hour": 1, "minute": 8, "second": 29}
